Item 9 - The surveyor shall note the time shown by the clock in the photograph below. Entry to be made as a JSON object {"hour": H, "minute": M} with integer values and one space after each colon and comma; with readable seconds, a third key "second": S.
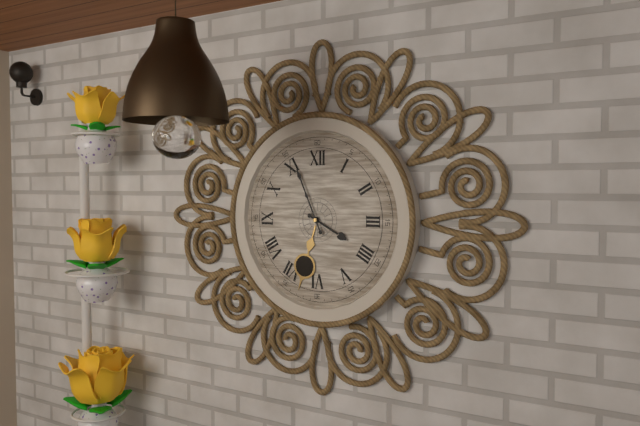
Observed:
{"hour": 3, "minute": 56}
